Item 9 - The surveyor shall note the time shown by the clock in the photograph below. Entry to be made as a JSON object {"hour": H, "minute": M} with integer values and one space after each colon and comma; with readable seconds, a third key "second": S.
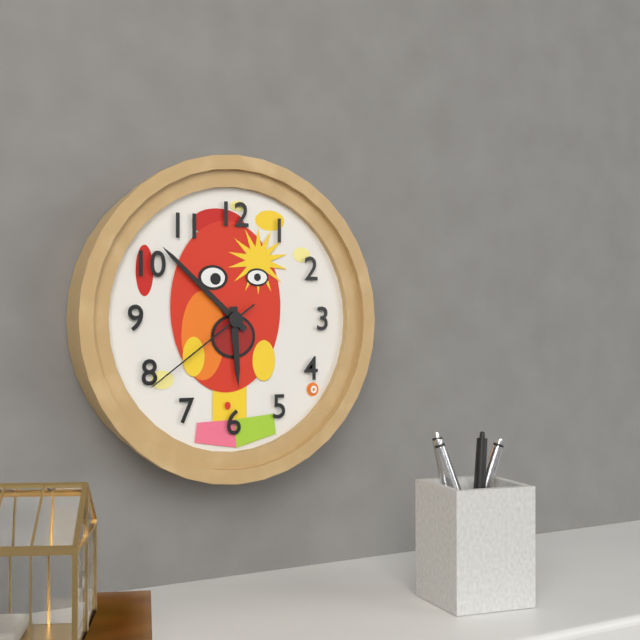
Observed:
{"hour": 5, "minute": 52, "second": 39}
